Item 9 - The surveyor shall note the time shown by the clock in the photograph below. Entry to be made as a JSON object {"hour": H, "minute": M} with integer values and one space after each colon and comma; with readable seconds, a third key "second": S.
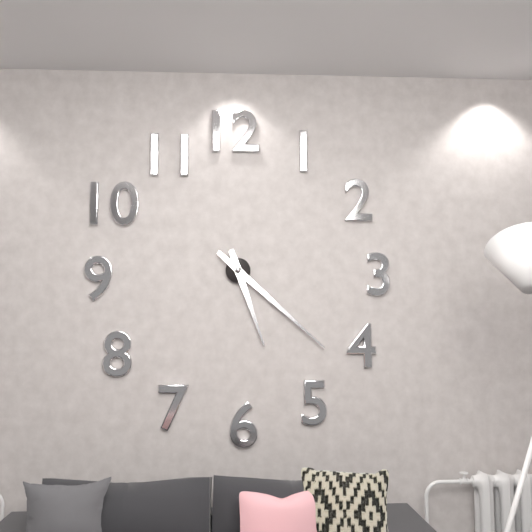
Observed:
{"hour": 5, "minute": 22}
